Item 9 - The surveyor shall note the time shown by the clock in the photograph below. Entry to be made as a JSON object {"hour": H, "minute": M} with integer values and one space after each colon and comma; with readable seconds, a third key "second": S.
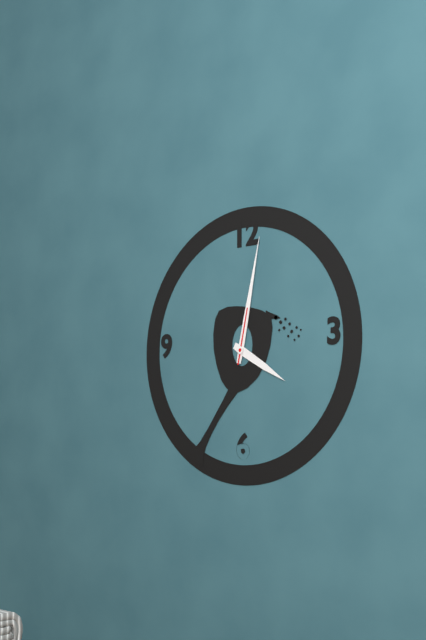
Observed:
{"hour": 4, "minute": 2, "second": 2}
